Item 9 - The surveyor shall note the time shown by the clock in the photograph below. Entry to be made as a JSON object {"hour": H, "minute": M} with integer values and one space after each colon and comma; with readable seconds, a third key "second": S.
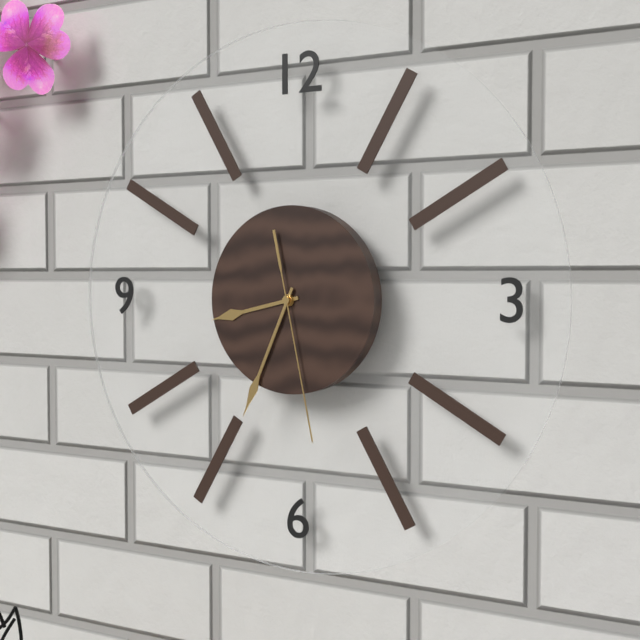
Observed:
{"hour": 8, "minute": 34, "second": 28}
